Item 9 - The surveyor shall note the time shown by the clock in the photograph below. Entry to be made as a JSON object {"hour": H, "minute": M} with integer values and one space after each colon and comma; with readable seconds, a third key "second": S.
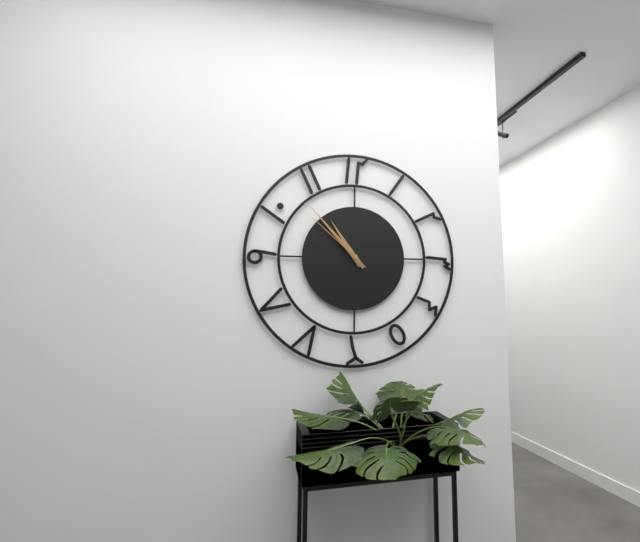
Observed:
{"hour": 10, "minute": 53, "second": 52}
